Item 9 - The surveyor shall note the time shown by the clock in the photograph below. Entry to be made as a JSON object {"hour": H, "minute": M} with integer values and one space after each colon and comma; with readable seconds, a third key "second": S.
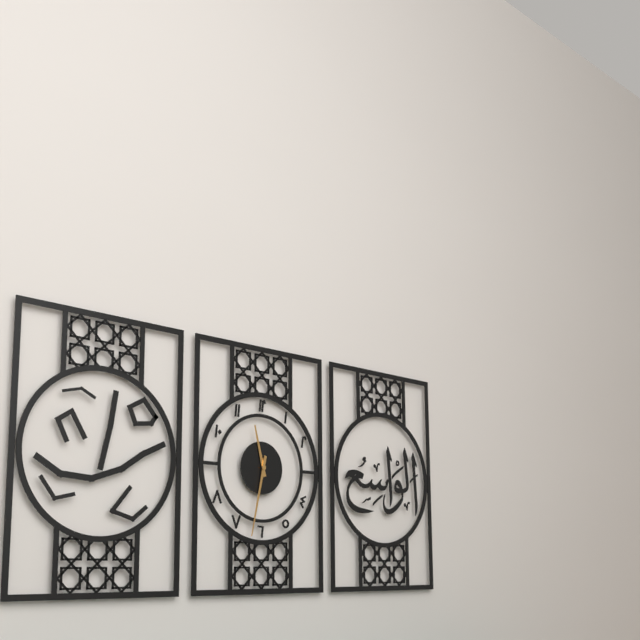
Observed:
{"hour": 11, "minute": 32}
